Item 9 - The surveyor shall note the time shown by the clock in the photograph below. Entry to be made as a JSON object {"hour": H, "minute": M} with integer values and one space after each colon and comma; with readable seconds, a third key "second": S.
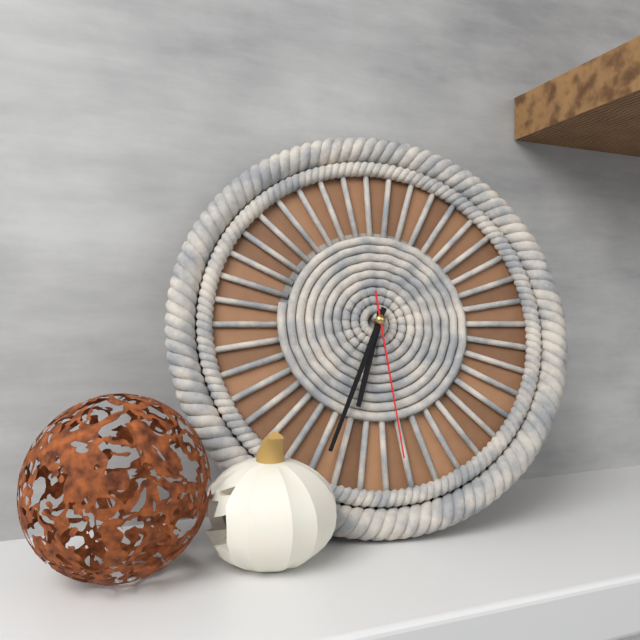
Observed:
{"hour": 6, "minute": 34, "second": 29}
